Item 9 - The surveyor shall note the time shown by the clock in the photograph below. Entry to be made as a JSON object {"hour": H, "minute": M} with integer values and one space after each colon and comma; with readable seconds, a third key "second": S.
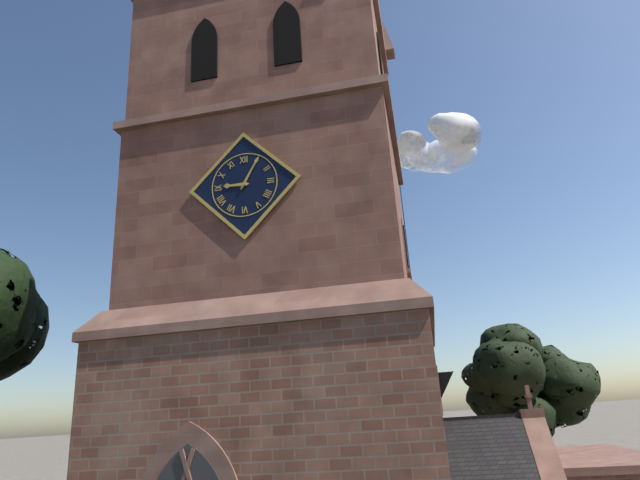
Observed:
{"hour": 9, "minute": 5}
